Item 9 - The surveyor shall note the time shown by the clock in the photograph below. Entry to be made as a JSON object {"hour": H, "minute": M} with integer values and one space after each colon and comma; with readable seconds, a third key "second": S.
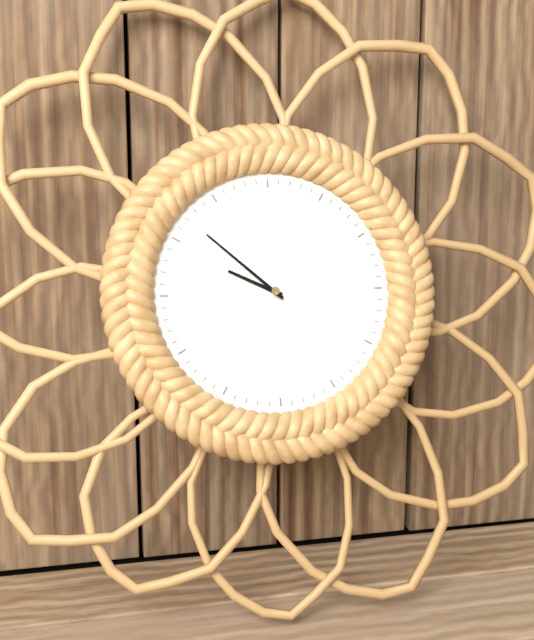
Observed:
{"hour": 9, "minute": 52}
